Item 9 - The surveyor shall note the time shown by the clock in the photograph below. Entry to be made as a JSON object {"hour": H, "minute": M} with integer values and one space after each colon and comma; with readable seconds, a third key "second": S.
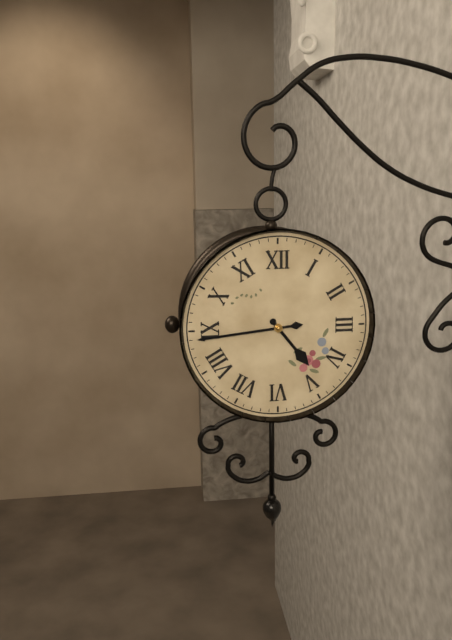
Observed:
{"hour": 4, "minute": 44}
